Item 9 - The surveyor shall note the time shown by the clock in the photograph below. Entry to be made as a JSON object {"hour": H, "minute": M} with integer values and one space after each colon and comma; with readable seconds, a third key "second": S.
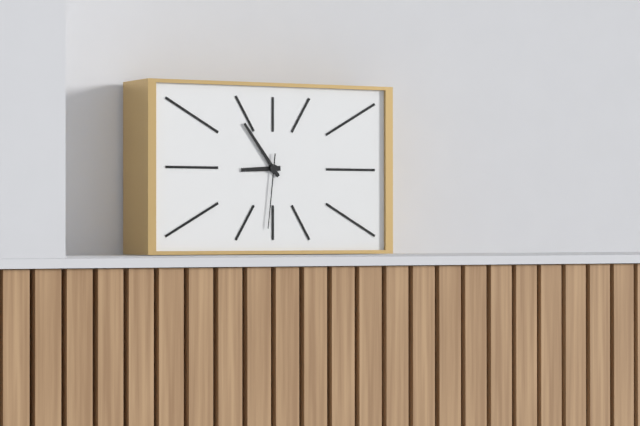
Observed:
{"hour": 8, "minute": 54, "second": 31}
